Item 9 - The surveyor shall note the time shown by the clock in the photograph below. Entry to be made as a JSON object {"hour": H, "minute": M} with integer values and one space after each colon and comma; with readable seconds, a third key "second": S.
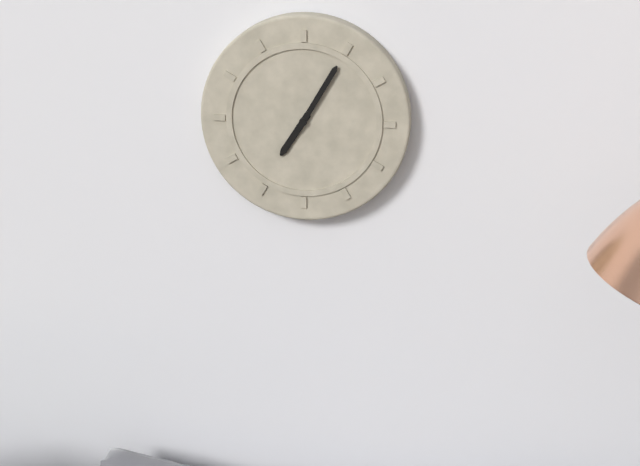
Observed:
{"hour": 7, "minute": 5}
